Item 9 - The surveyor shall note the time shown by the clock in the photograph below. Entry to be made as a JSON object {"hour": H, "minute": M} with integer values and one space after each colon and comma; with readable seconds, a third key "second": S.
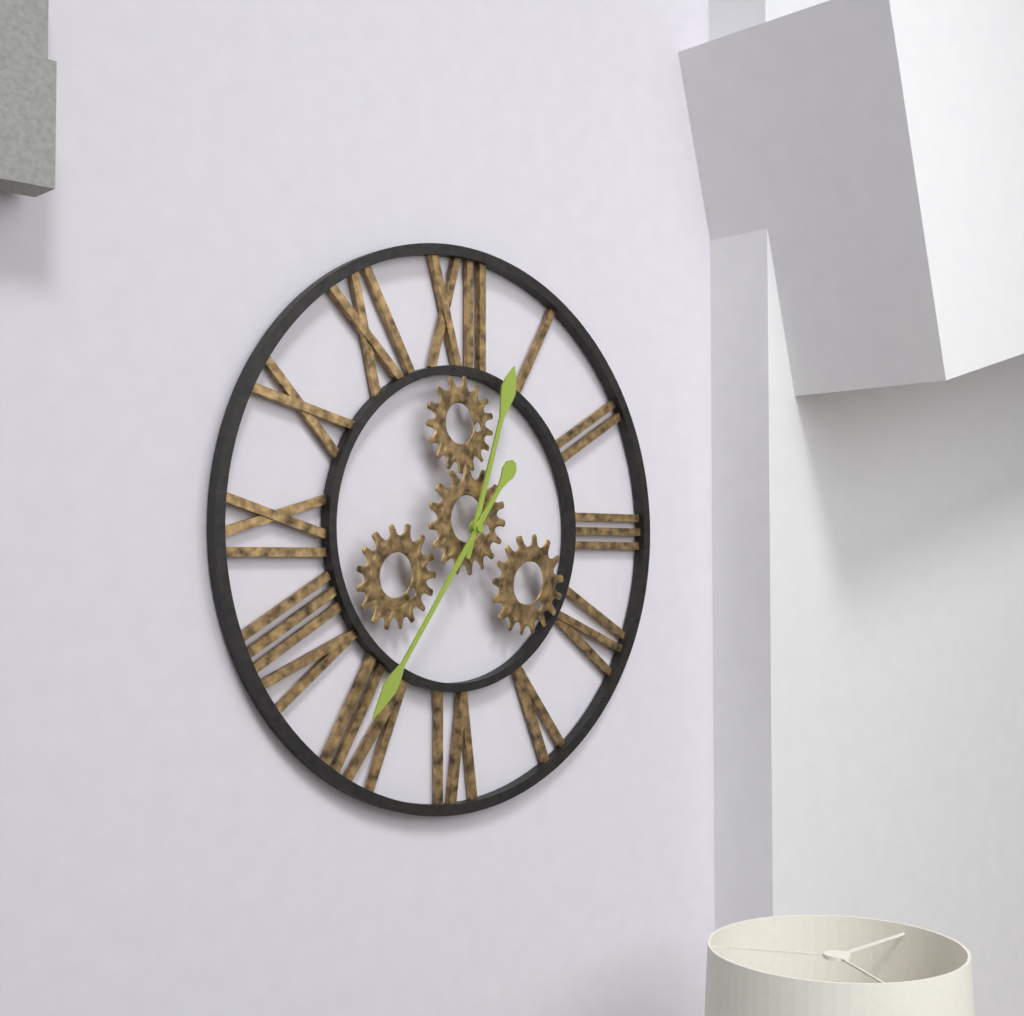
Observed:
{"hour": 12, "minute": 36}
